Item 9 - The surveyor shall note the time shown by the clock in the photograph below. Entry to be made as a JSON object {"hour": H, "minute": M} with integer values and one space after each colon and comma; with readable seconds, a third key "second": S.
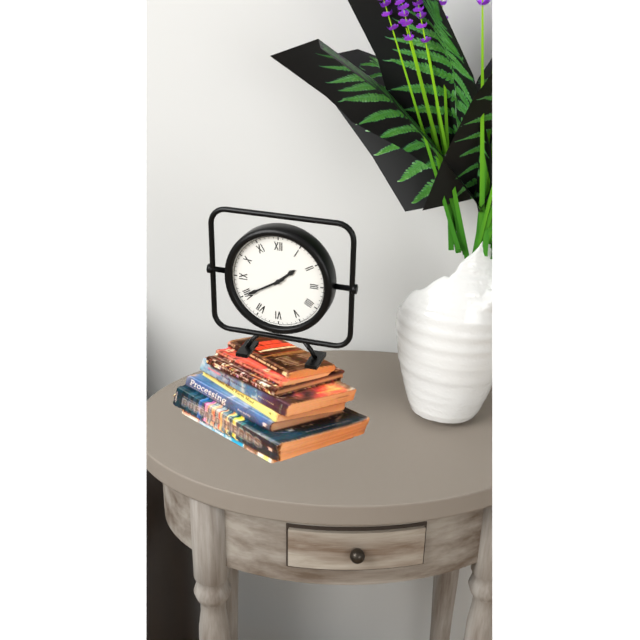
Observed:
{"hour": 1, "minute": 40}
